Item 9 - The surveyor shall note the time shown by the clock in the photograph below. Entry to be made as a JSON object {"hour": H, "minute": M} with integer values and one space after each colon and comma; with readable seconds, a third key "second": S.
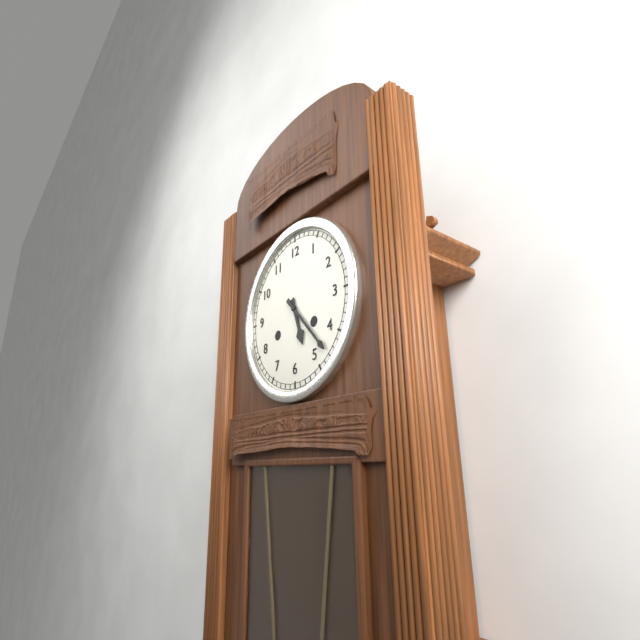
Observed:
{"hour": 5, "minute": 23}
